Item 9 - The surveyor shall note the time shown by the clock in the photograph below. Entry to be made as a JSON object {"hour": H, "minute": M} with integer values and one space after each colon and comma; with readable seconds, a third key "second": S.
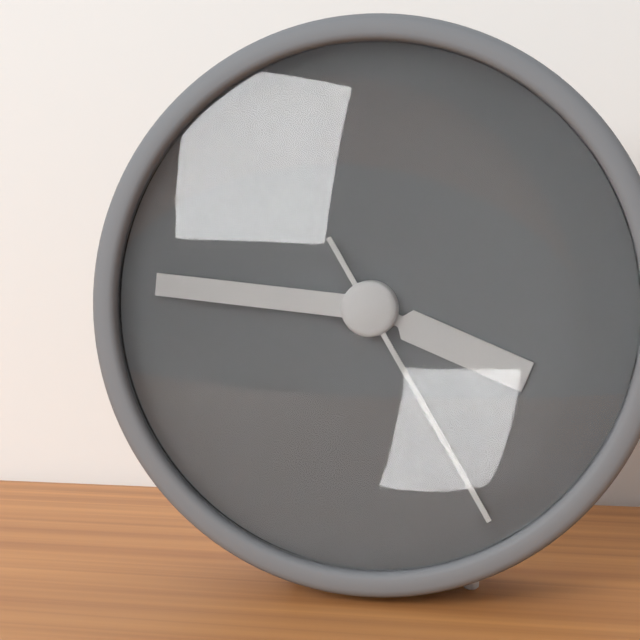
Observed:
{"hour": 3, "minute": 46, "second": 25}
